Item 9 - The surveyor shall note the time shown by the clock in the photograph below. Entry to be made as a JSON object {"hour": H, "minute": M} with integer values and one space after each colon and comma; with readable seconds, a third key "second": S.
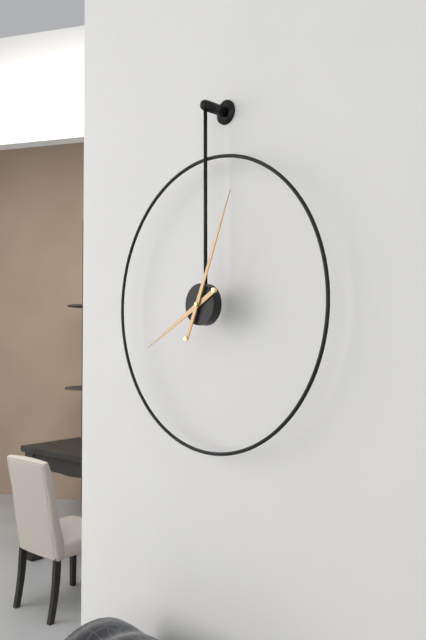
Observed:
{"hour": 8, "minute": 4}
